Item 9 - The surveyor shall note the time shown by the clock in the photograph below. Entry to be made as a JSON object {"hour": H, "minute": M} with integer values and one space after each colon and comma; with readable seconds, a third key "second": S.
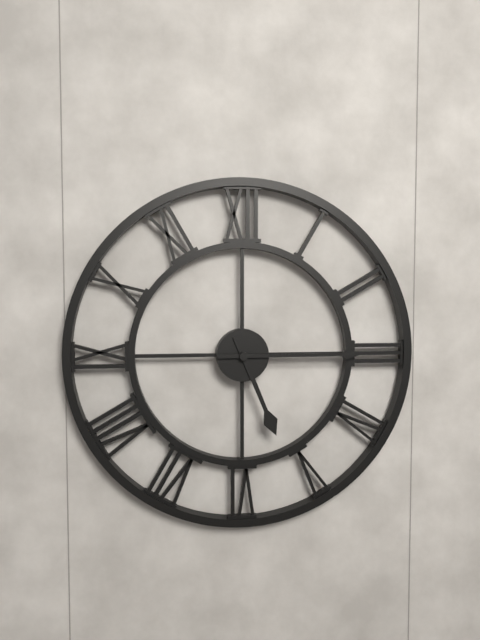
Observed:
{"hour": 5, "minute": 15}
